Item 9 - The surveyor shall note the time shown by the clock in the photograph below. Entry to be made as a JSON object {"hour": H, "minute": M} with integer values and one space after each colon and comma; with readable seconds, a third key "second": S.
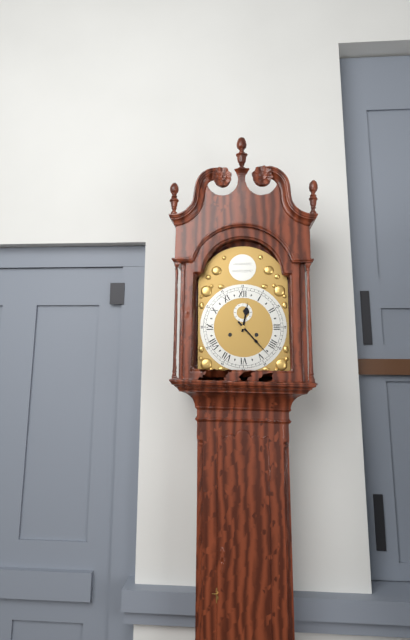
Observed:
{"hour": 12, "minute": 23}
